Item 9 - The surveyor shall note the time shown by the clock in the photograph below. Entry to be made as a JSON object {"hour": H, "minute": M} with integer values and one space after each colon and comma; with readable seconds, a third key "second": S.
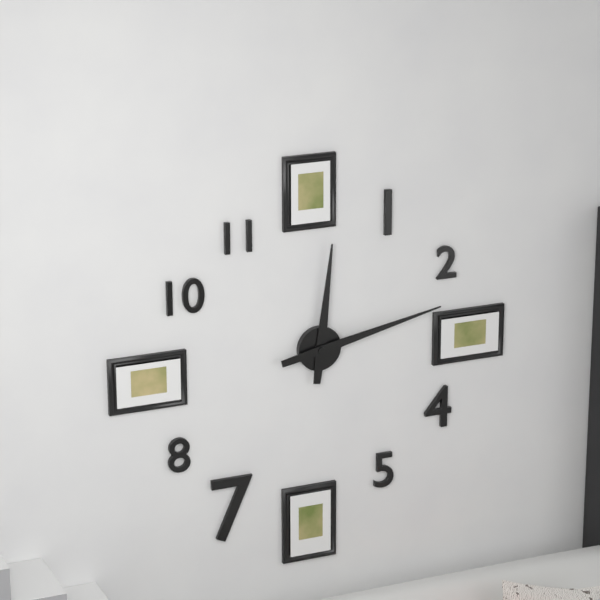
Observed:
{"hour": 12, "minute": 13}
